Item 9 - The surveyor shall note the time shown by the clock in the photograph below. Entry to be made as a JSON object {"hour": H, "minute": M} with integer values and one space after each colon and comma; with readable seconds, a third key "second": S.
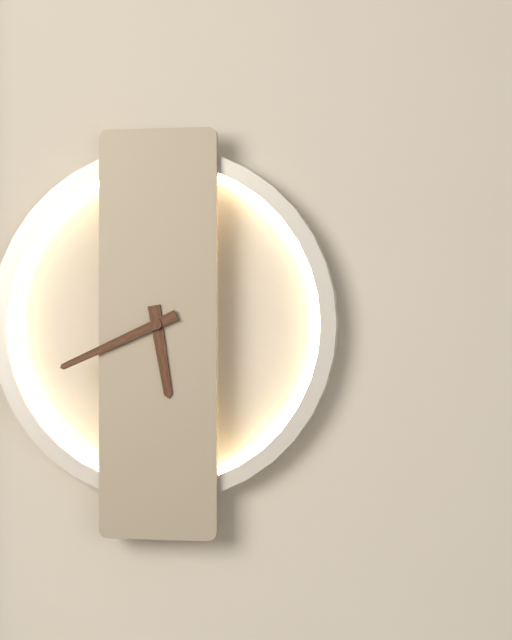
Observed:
{"hour": 5, "minute": 41}
